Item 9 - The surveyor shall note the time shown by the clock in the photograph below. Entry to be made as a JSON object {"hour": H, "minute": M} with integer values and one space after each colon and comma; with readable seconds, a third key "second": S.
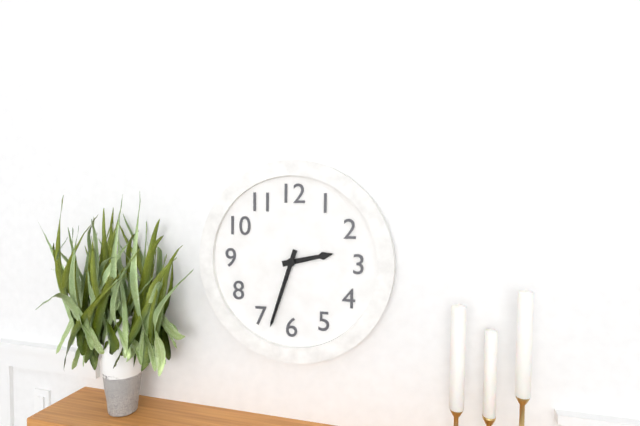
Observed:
{"hour": 2, "minute": 33}
